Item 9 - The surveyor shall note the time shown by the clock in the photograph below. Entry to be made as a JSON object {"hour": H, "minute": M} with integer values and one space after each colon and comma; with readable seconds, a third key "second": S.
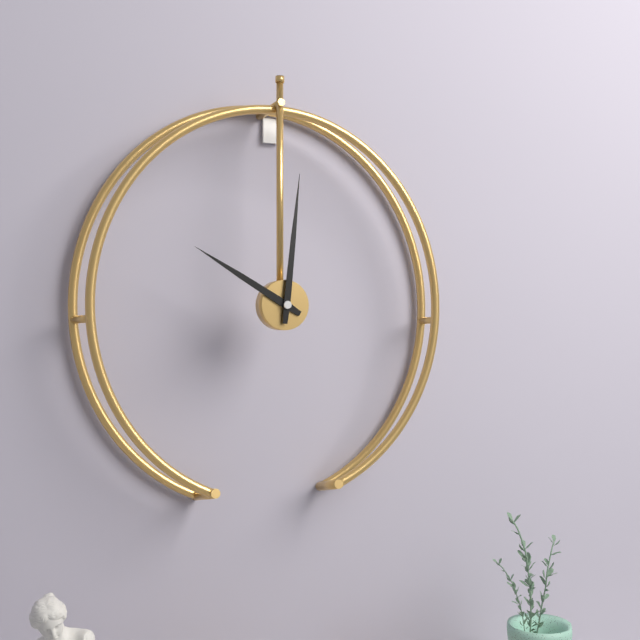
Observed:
{"hour": 10, "minute": 1}
